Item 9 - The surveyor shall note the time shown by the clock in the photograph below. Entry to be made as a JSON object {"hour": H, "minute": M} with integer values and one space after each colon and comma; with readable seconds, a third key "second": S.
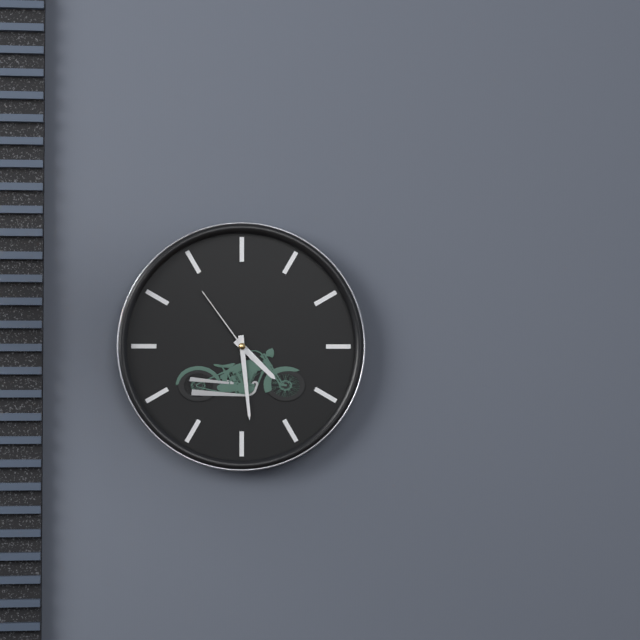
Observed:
{"hour": 4, "minute": 29, "second": 54}
